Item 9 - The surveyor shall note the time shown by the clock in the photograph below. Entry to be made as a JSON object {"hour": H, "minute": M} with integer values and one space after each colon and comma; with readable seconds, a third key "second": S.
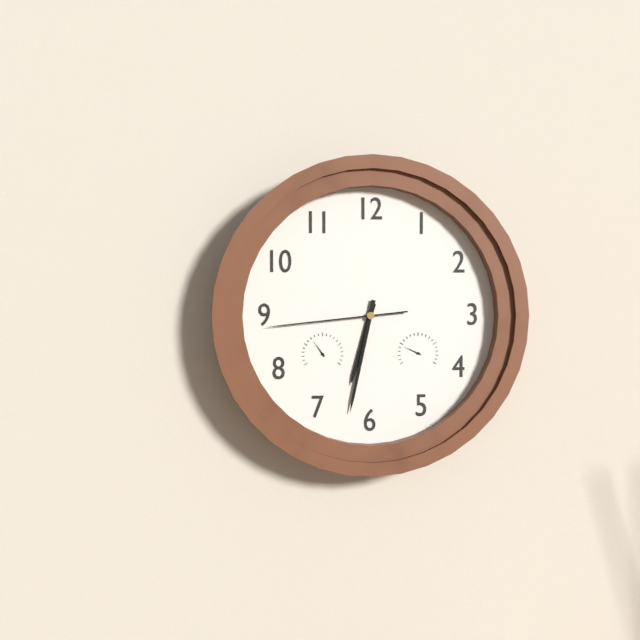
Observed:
{"hour": 6, "minute": 32, "second": 44}
